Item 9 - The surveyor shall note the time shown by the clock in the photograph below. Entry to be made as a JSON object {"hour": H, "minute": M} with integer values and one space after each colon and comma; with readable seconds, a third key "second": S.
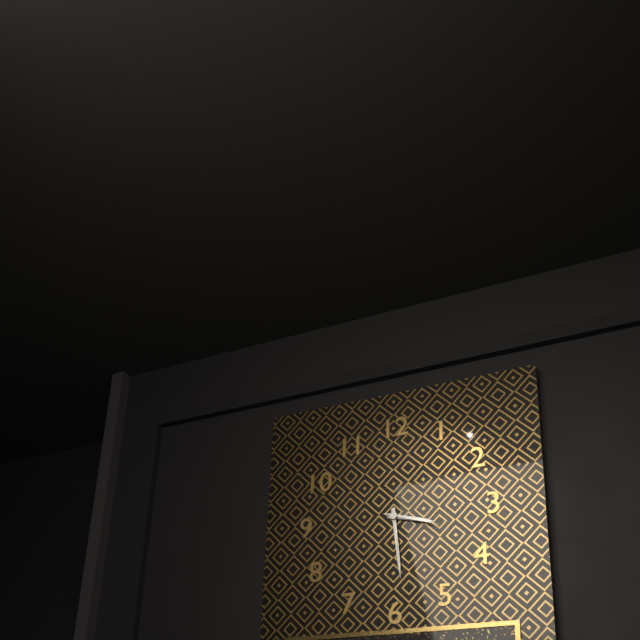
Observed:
{"hour": 3, "minute": 29, "second": 18}
